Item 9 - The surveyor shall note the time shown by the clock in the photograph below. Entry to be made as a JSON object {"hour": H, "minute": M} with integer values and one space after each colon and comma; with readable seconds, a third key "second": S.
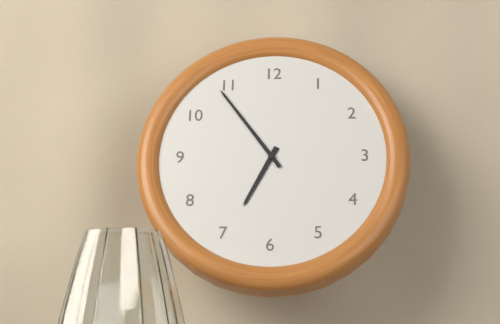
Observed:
{"hour": 6, "minute": 54}
